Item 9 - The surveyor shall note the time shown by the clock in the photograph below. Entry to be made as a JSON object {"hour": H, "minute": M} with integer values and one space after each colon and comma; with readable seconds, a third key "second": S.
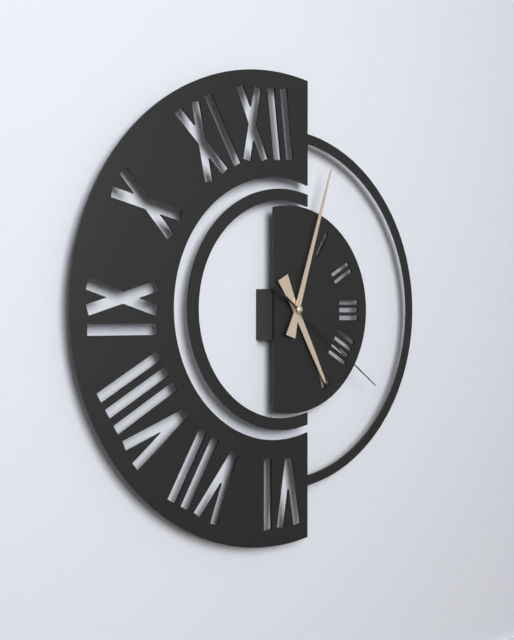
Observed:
{"hour": 5, "minute": 3, "second": 21}
